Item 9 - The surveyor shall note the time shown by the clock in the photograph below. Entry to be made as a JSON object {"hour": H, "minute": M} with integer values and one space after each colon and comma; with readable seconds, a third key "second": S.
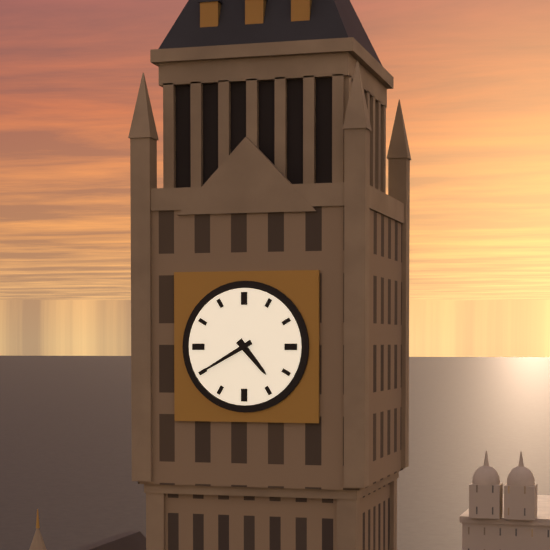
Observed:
{"hour": 4, "minute": 40}
